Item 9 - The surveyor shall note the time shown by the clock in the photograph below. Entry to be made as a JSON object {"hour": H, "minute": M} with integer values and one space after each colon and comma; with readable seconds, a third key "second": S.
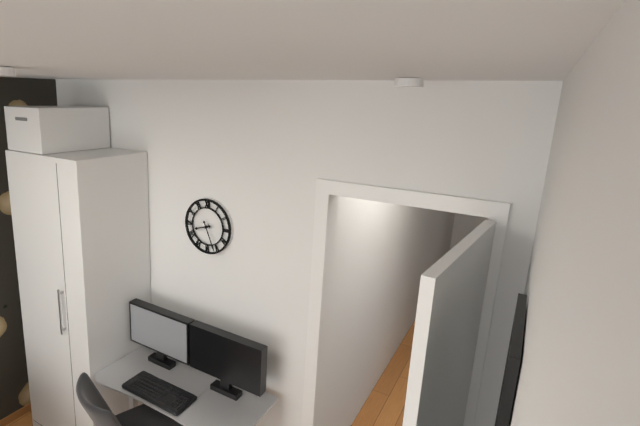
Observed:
{"hour": 8, "minute": 26}
